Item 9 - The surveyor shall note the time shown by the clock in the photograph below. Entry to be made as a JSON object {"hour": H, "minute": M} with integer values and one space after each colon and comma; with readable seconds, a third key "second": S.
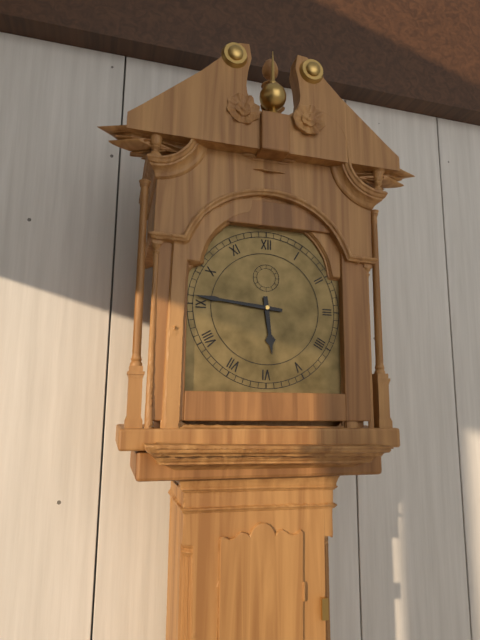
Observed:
{"hour": 5, "minute": 46}
